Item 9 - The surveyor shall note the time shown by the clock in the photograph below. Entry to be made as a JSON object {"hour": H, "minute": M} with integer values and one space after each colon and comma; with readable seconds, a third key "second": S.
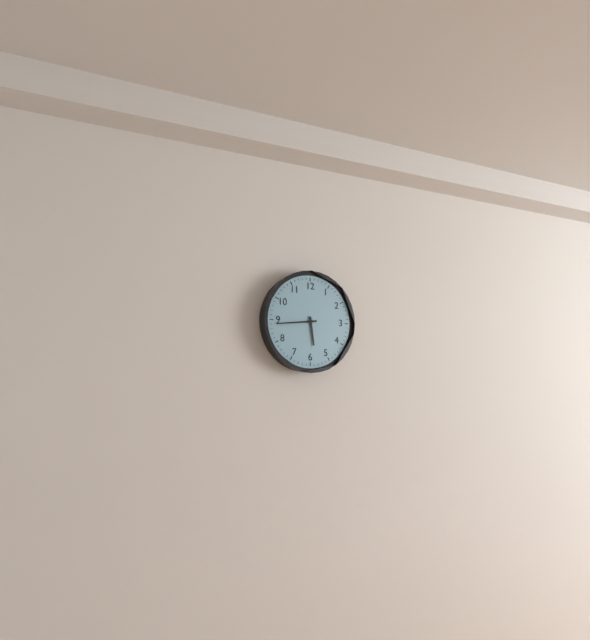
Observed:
{"hour": 5, "minute": 44}
